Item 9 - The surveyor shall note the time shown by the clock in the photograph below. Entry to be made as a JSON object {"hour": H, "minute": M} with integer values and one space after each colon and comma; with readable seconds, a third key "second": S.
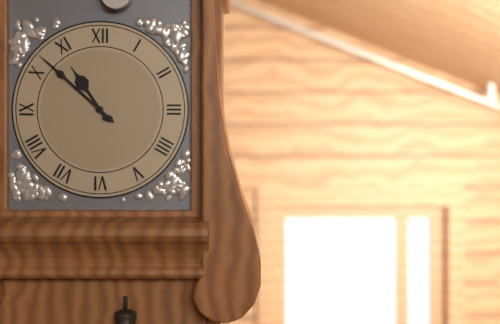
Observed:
{"hour": 10, "minute": 52}
